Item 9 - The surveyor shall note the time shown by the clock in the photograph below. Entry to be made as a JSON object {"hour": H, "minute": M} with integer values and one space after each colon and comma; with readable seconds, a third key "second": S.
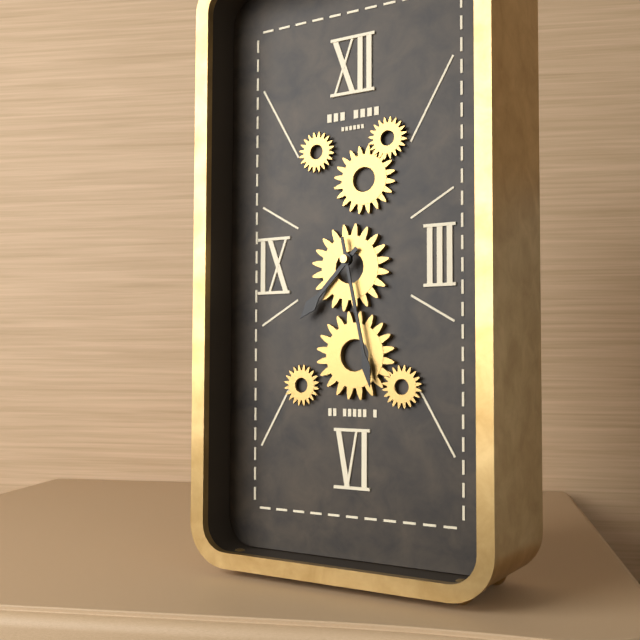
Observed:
{"hour": 7, "minute": 28}
